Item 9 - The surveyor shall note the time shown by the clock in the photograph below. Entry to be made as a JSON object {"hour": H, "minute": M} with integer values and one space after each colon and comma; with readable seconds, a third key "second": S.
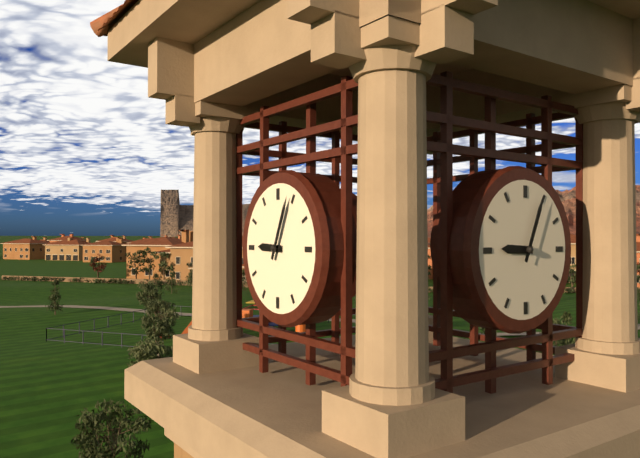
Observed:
{"hour": 9, "minute": 4}
